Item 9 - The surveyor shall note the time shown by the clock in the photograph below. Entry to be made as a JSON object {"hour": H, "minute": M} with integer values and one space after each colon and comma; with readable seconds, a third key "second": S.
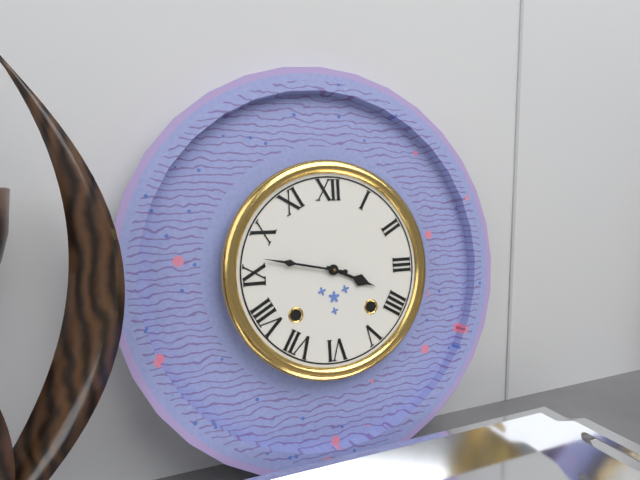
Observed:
{"hour": 3, "minute": 47}
